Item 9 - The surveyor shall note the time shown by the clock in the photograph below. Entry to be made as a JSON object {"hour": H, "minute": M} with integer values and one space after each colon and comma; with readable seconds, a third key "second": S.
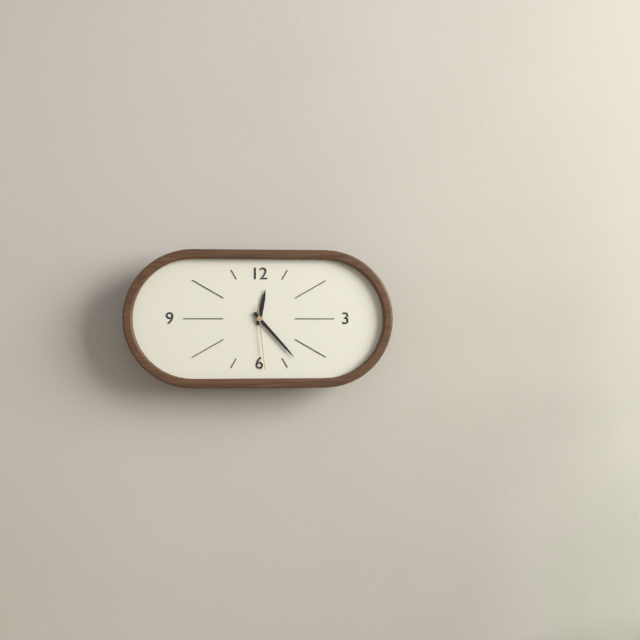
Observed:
{"hour": 12, "minute": 23, "second": 29}
